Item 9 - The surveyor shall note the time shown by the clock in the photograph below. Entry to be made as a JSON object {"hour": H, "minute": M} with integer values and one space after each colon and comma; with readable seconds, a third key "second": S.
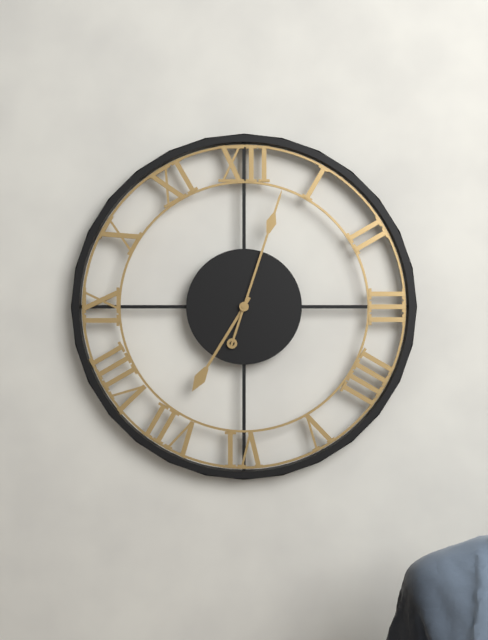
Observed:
{"hour": 7, "minute": 3}
